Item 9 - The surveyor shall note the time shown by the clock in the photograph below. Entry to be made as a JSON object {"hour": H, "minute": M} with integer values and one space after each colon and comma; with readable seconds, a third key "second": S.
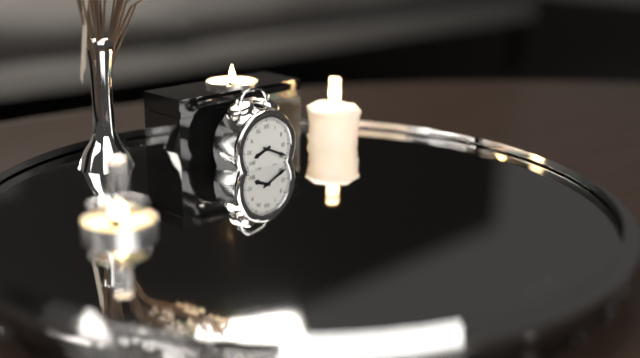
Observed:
{"hour": 8, "minute": 19}
